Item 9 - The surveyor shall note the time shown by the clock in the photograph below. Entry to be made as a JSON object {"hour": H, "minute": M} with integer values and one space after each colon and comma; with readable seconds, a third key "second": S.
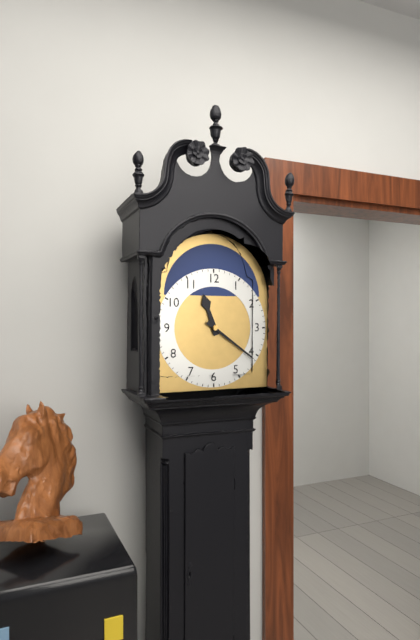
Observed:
{"hour": 11, "minute": 21}
